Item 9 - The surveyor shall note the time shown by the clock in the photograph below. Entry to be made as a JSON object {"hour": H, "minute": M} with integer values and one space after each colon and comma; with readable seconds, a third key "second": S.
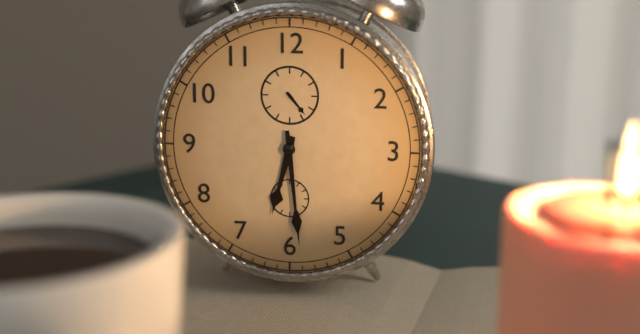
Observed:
{"hour": 6, "minute": 29}
